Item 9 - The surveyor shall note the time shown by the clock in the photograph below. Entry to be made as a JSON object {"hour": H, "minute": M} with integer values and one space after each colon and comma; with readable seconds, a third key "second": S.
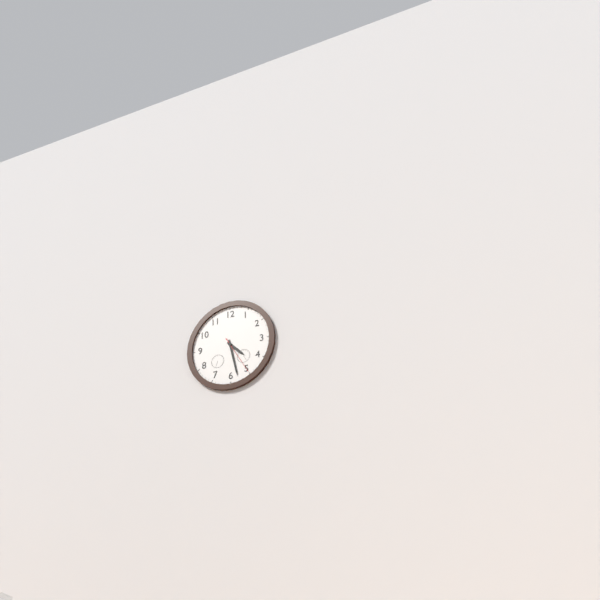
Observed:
{"hour": 4, "minute": 28}
